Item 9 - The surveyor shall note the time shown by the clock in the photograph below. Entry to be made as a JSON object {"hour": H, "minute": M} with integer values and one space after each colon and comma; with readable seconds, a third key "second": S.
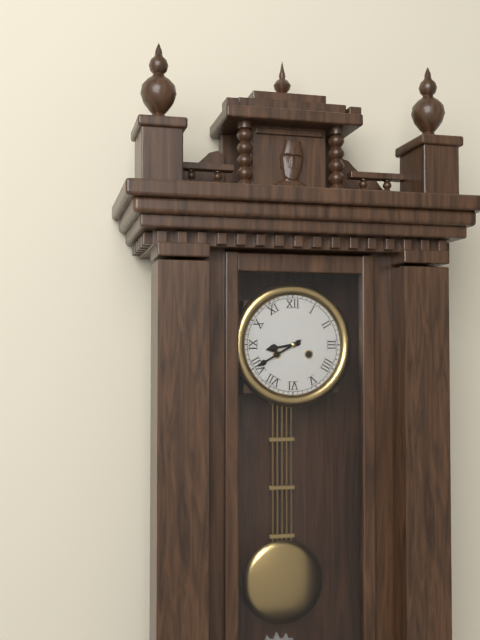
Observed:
{"hour": 8, "minute": 40}
